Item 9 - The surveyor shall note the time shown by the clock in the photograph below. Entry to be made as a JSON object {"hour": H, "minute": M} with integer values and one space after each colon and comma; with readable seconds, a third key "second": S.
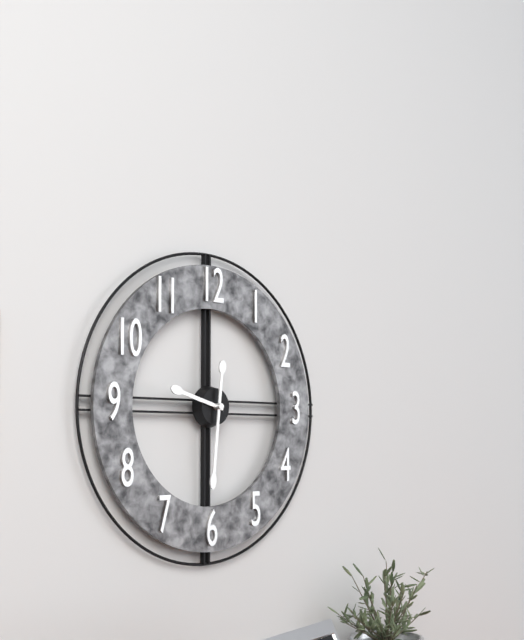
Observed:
{"hour": 9, "minute": 31}
